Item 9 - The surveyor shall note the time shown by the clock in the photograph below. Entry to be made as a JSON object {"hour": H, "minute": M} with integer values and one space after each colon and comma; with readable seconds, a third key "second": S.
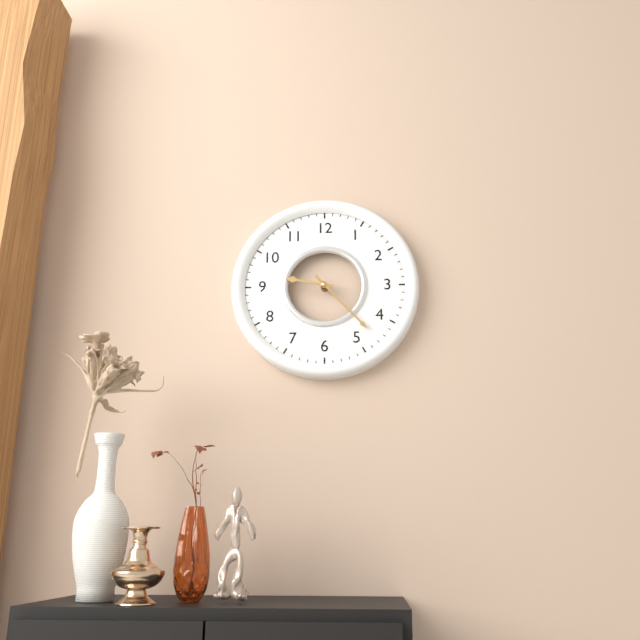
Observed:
{"hour": 9, "minute": 23}
